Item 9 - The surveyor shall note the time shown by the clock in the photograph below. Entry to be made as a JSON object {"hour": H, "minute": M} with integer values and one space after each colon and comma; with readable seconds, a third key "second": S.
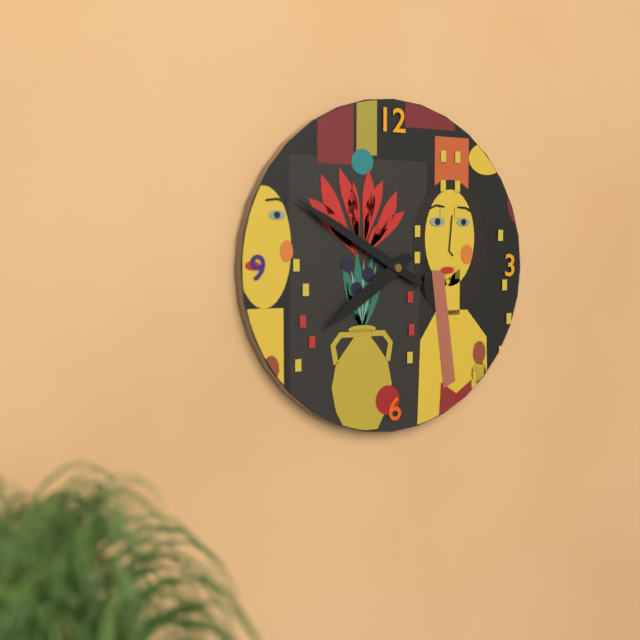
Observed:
{"hour": 7, "minute": 50}
